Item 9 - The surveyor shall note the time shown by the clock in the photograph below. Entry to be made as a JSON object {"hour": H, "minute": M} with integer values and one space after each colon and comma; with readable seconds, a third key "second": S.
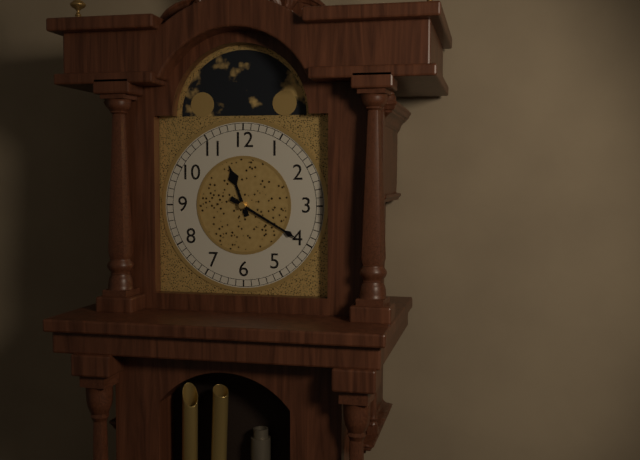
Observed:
{"hour": 11, "minute": 20}
